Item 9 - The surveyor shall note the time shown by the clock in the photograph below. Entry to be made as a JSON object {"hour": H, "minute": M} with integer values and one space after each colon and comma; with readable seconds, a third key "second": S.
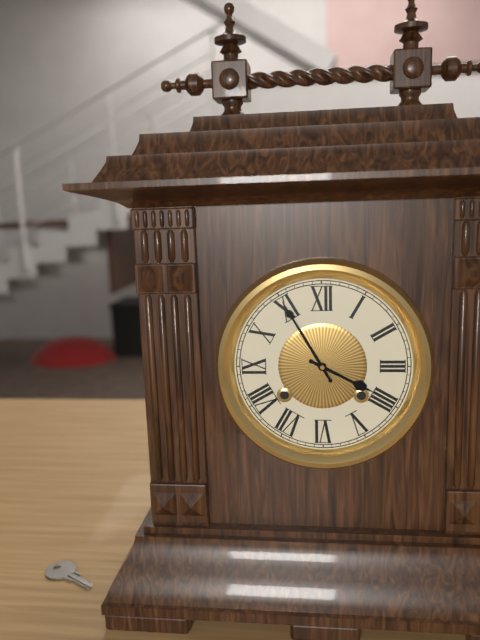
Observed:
{"hour": 3, "minute": 55}
